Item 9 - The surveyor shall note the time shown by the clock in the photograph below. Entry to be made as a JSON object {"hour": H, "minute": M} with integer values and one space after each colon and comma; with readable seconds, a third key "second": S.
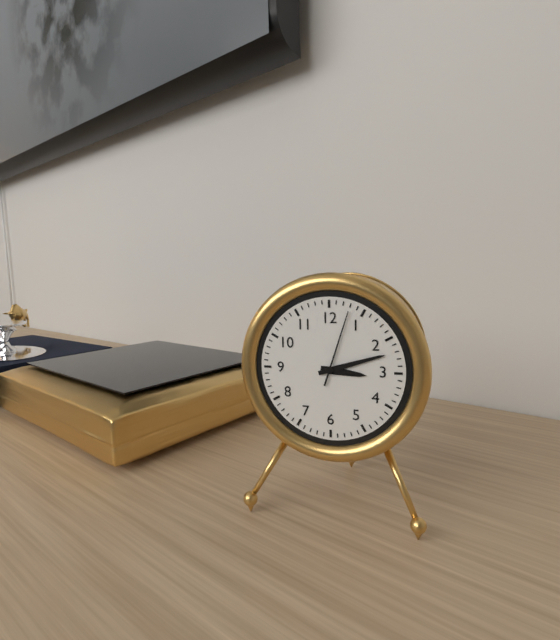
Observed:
{"hour": 3, "minute": 12, "second": 3}
